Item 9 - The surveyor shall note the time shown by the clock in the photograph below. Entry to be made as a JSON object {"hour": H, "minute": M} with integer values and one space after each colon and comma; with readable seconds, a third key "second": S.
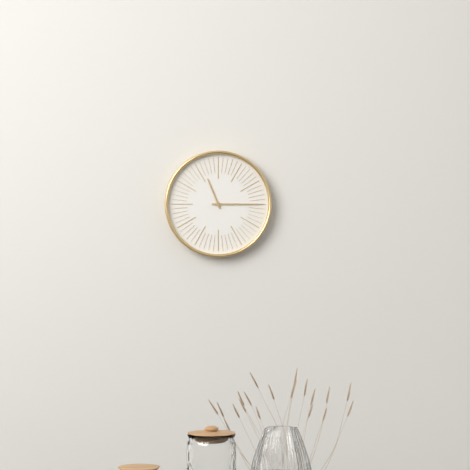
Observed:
{"hour": 11, "minute": 15}
